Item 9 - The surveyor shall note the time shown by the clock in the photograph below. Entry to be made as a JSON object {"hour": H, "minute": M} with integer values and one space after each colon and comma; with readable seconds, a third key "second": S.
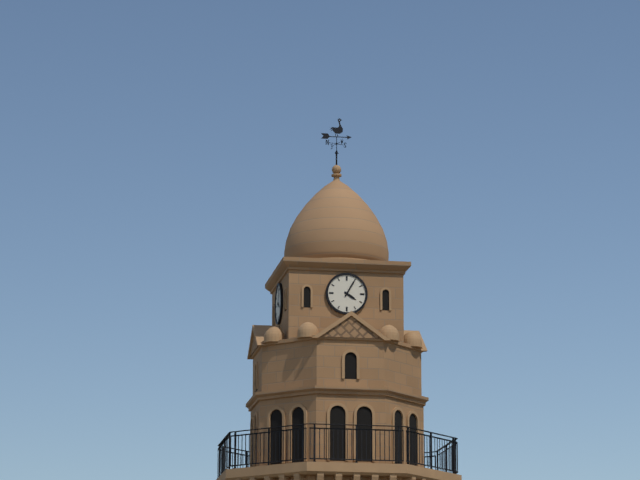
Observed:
{"hour": 4, "minute": 5}
